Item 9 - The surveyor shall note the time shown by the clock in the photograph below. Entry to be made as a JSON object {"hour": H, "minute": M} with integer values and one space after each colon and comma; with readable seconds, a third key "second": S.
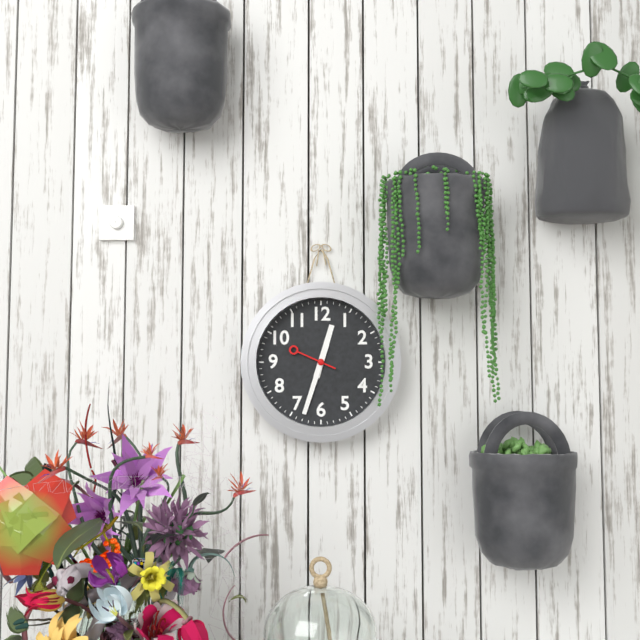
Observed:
{"hour": 12, "minute": 33}
